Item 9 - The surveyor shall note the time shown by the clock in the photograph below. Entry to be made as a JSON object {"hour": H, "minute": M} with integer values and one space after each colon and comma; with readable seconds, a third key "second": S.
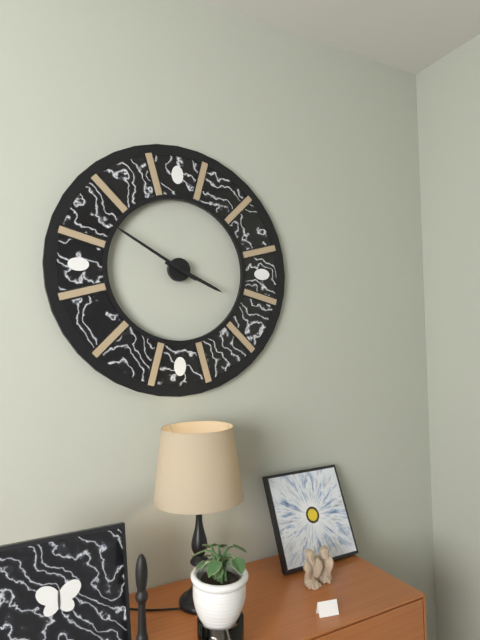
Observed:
{"hour": 3, "minute": 50}
